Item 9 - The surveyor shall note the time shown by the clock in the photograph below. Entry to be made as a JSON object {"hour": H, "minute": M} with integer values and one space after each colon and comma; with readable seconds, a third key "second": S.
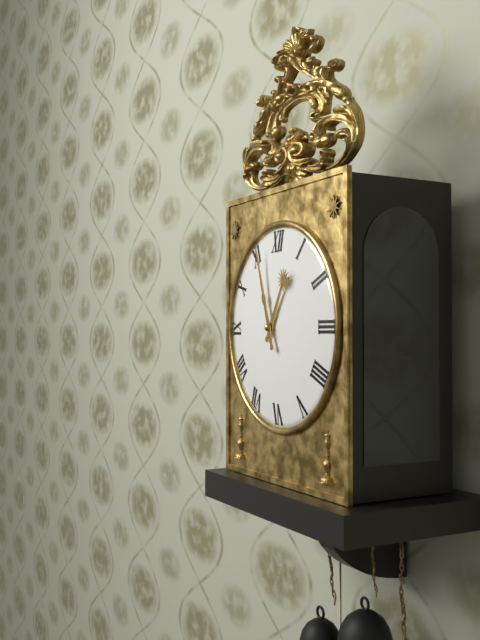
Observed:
{"hour": 12, "minute": 57}
